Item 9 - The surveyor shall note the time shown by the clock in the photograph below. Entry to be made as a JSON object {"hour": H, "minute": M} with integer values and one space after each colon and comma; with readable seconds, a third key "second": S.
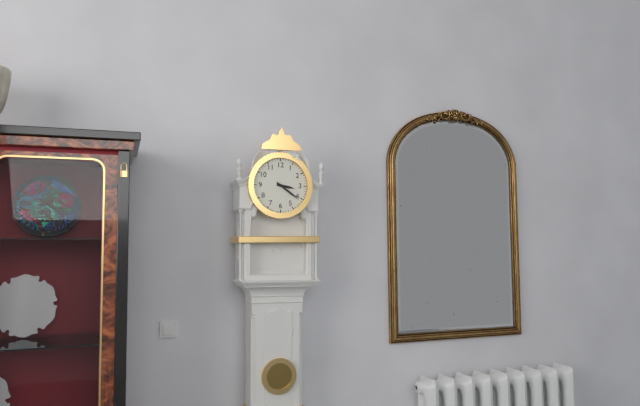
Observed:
{"hour": 3, "minute": 21}
